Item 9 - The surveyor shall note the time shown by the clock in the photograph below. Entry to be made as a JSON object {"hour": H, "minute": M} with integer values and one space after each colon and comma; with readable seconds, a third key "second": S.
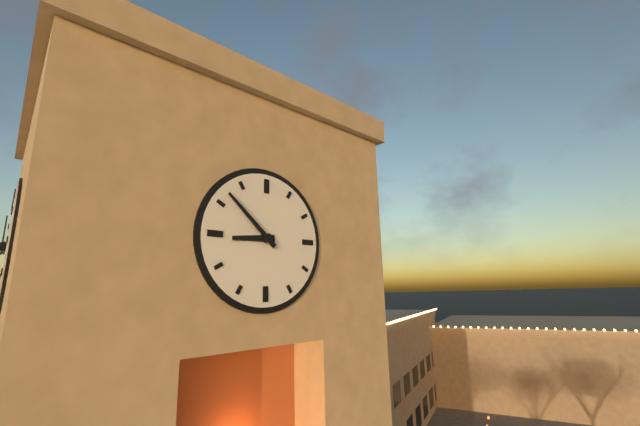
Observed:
{"hour": 8, "minute": 52}
